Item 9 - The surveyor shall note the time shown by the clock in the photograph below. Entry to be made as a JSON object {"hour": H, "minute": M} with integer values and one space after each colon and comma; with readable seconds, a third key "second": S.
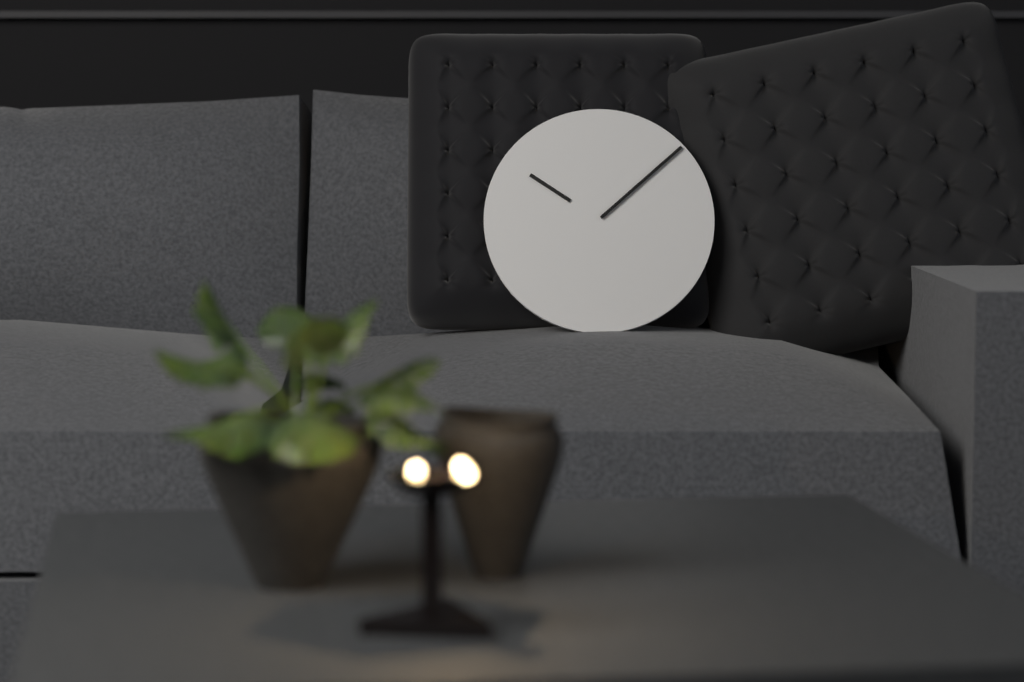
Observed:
{"hour": 10, "minute": 8}
